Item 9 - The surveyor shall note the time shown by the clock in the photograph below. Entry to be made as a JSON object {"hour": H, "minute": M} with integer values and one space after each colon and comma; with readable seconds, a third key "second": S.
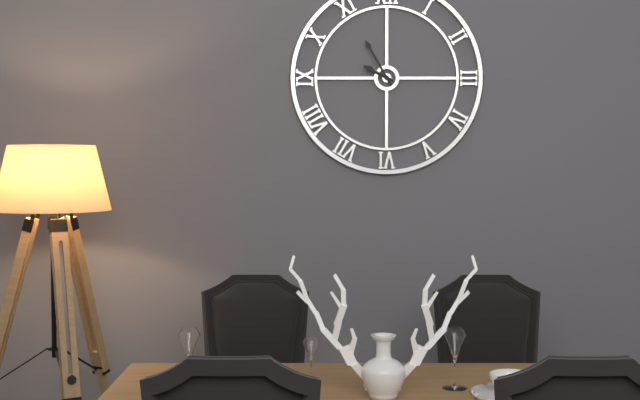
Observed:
{"hour": 9, "minute": 55}
